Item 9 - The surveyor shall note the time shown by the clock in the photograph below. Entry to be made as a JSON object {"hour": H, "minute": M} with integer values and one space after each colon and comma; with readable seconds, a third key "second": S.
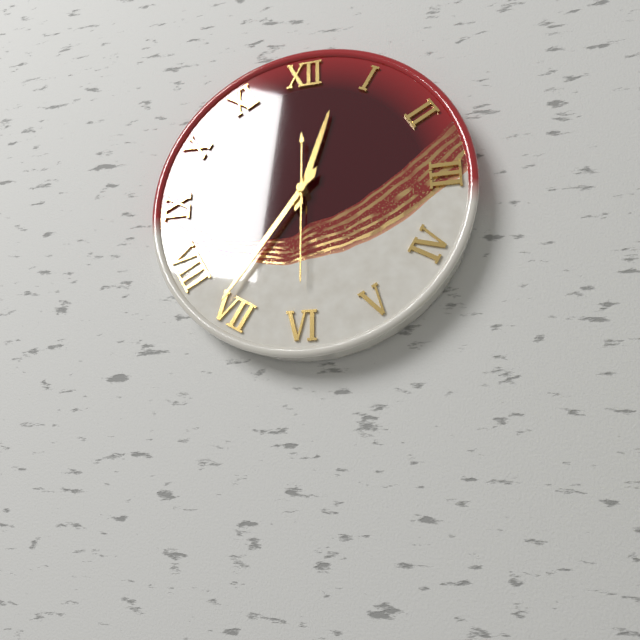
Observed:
{"hour": 12, "minute": 36, "second": 30}
